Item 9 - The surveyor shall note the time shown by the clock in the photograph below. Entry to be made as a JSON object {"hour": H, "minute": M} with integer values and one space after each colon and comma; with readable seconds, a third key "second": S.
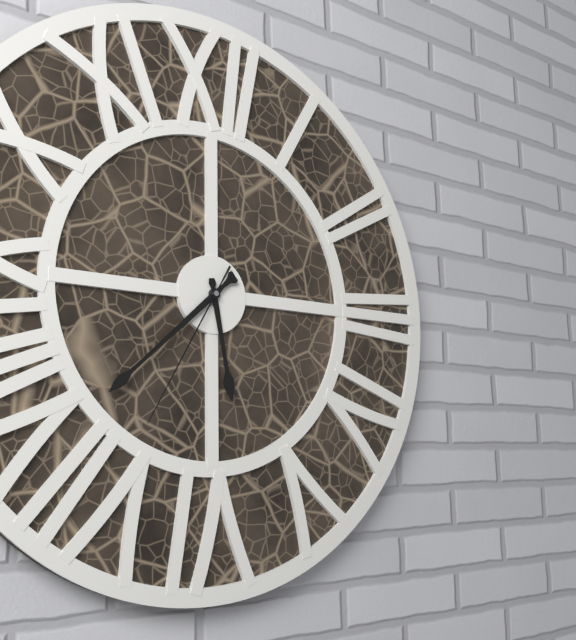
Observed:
{"hour": 5, "minute": 38, "second": 35}
